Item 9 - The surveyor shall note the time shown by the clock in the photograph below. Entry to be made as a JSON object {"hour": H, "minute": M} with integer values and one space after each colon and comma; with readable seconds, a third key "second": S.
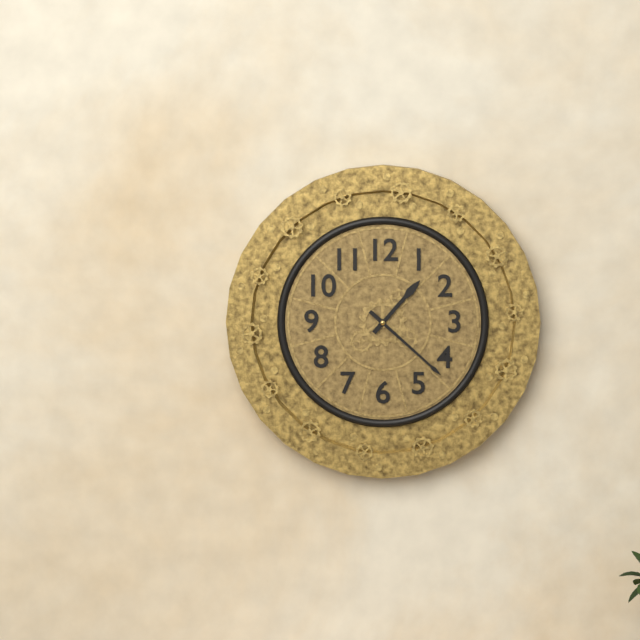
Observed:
{"hour": 1, "minute": 22}
